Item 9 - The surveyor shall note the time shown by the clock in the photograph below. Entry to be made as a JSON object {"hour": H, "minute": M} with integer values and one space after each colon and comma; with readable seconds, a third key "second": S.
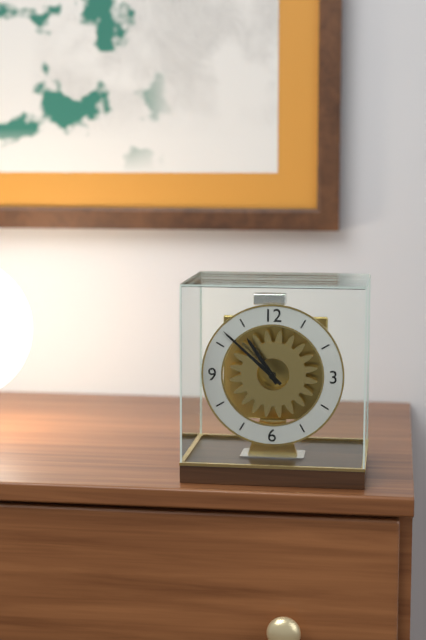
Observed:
{"hour": 10, "minute": 52}
